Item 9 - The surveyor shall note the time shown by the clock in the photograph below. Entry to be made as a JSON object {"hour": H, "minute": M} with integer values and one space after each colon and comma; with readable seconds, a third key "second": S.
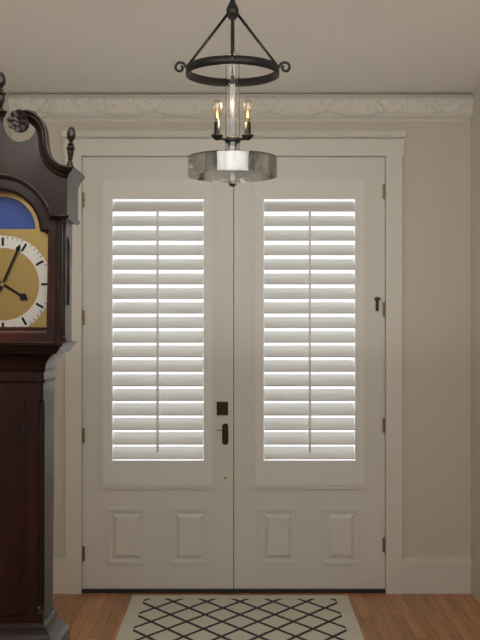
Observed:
{"hour": 4, "minute": 4}
